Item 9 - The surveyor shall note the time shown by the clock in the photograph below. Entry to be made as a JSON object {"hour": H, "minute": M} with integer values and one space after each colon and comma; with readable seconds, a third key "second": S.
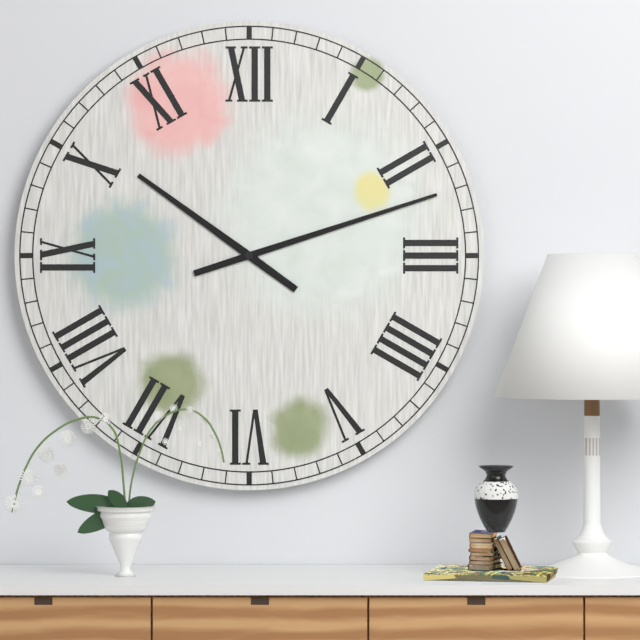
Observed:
{"hour": 10, "minute": 12}
